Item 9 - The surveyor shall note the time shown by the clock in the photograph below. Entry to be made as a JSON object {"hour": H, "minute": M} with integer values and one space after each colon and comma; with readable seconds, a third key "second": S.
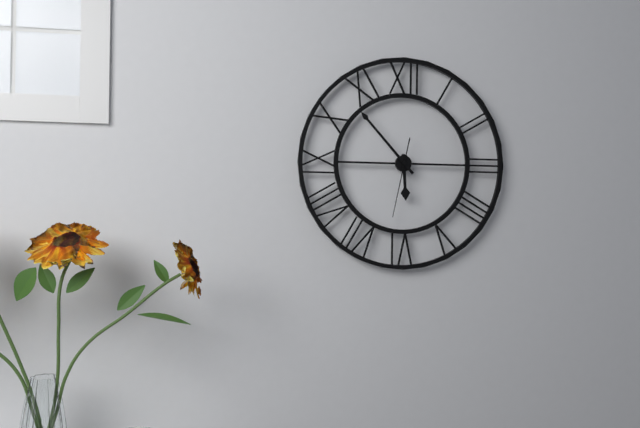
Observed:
{"hour": 5, "minute": 53, "second": 32}
